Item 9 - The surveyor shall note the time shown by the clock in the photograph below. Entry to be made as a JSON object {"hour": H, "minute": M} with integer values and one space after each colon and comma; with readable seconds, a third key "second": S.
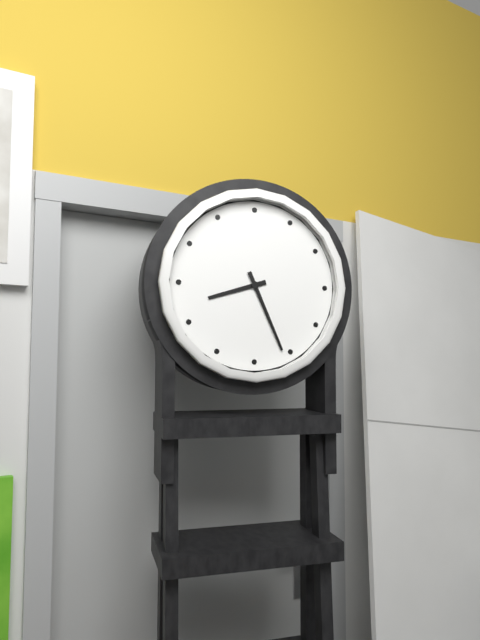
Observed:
{"hour": 8, "minute": 26}
